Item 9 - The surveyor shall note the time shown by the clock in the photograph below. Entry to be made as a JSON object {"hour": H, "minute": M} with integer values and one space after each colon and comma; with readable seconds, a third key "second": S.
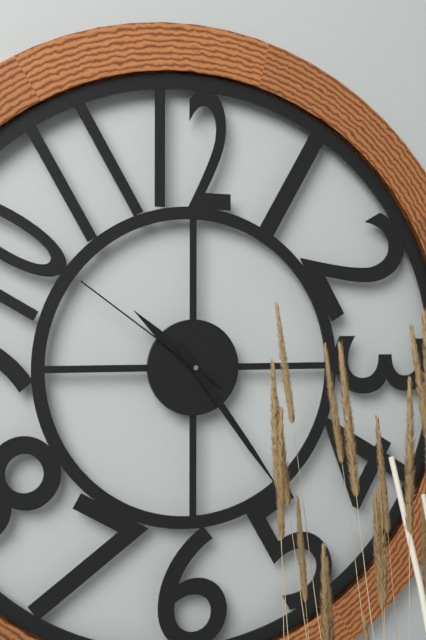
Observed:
{"hour": 10, "minute": 24, "second": 51}
